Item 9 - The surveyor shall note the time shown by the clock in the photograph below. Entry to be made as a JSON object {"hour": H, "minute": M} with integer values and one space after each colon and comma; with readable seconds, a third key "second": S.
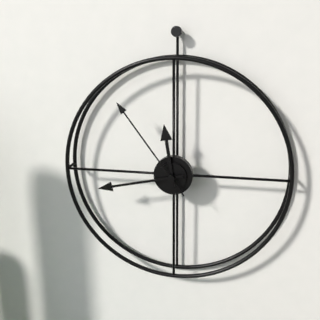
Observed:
{"hour": 11, "minute": 43, "second": 54}
